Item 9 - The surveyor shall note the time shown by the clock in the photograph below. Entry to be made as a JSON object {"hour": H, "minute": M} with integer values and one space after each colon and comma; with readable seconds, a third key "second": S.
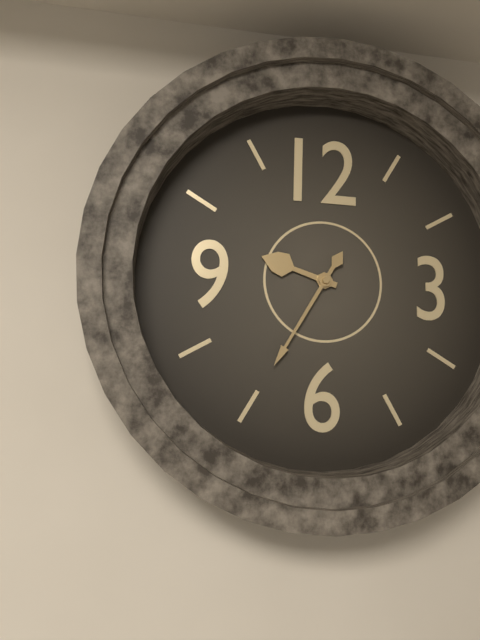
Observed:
{"hour": 9, "minute": 35}
